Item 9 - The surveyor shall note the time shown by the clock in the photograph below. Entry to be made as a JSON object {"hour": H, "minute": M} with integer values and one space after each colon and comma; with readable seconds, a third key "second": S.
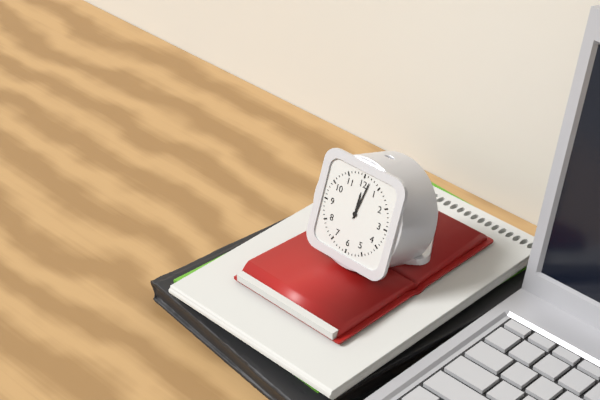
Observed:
{"hour": 12, "minute": 2}
